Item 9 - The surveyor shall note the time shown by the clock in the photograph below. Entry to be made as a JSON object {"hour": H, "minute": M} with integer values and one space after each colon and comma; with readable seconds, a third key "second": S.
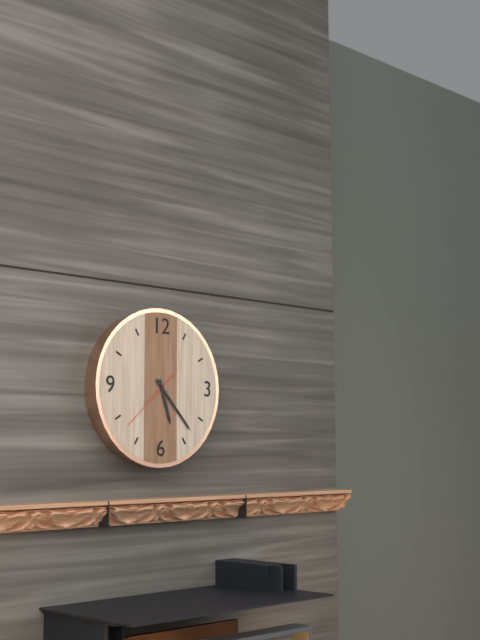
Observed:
{"hour": 5, "minute": 23, "second": 38}
